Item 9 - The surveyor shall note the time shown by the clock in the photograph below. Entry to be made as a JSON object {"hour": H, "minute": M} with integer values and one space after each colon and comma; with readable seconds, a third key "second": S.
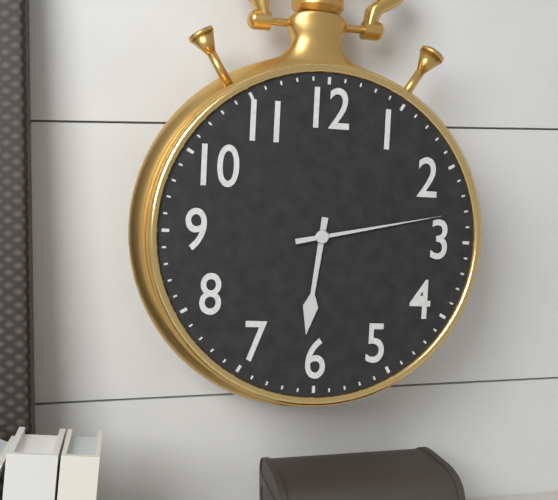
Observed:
{"hour": 6, "minute": 13}
